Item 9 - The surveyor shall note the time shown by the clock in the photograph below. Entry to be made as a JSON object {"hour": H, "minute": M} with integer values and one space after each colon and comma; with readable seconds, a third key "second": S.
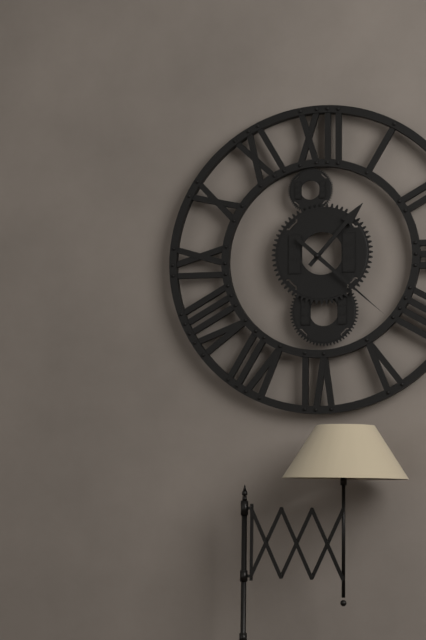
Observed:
{"hour": 1, "minute": 22}
